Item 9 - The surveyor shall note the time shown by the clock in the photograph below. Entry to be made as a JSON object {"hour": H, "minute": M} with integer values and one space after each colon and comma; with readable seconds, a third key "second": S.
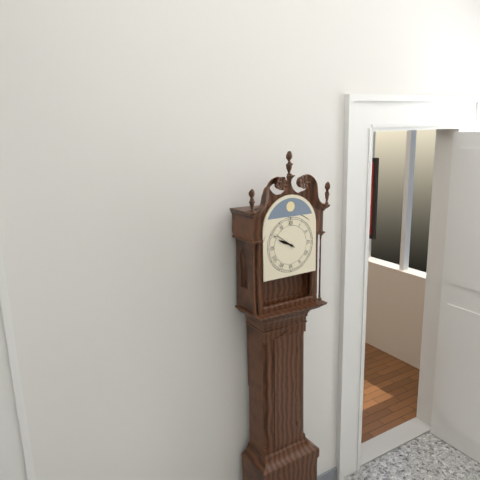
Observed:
{"hour": 9, "minute": 51}
